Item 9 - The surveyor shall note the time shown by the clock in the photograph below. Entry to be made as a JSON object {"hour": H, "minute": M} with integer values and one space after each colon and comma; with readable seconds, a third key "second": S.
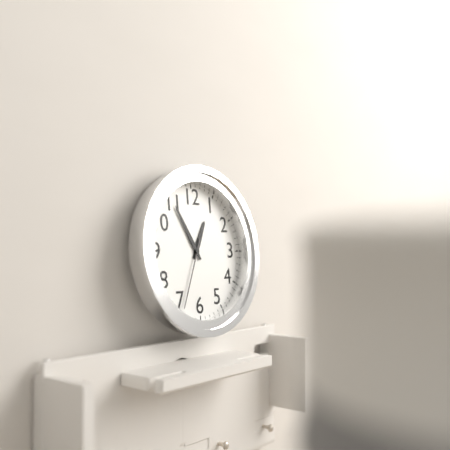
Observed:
{"hour": 12, "minute": 55, "second": 34}
